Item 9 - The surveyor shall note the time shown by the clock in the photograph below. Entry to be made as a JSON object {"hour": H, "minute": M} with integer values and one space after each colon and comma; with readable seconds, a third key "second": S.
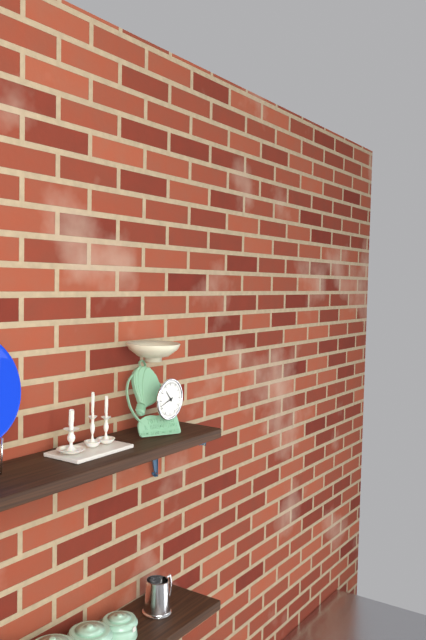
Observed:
{"hour": 10, "minute": 42}
